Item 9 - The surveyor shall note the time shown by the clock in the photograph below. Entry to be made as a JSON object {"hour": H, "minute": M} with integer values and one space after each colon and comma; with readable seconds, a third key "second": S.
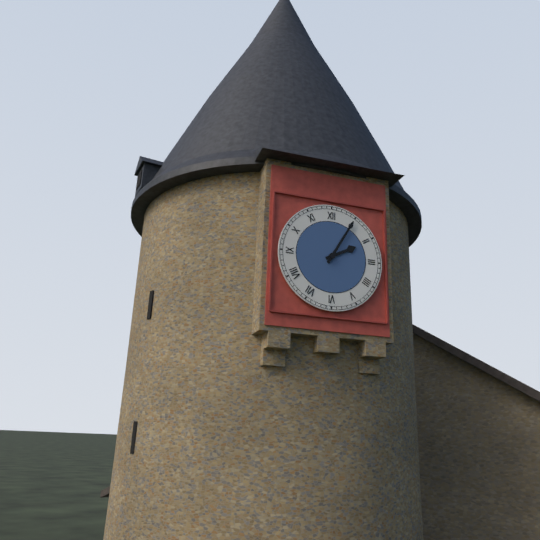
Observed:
{"hour": 2, "minute": 5}
